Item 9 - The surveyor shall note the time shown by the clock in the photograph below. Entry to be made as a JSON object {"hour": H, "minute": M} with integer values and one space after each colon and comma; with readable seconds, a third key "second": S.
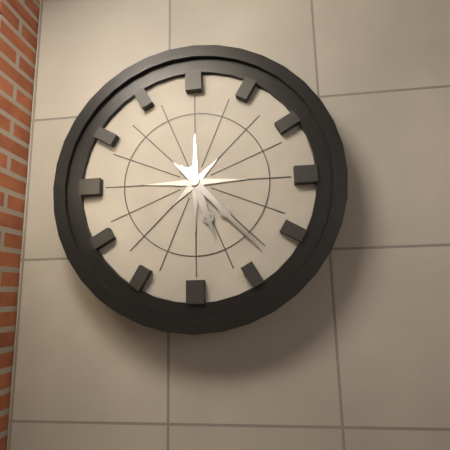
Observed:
{"hour": 5, "minute": 23}
